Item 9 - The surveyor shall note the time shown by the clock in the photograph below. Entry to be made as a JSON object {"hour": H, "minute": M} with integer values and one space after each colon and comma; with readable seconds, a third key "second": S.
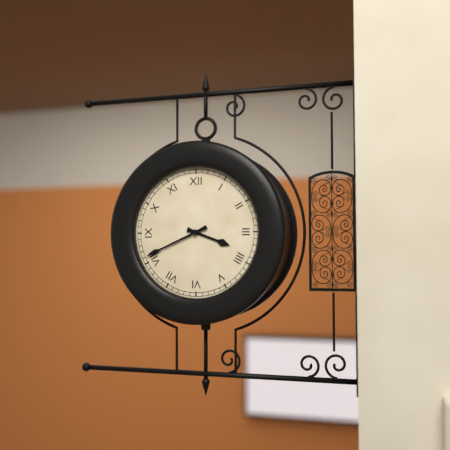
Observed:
{"hour": 3, "minute": 41}
